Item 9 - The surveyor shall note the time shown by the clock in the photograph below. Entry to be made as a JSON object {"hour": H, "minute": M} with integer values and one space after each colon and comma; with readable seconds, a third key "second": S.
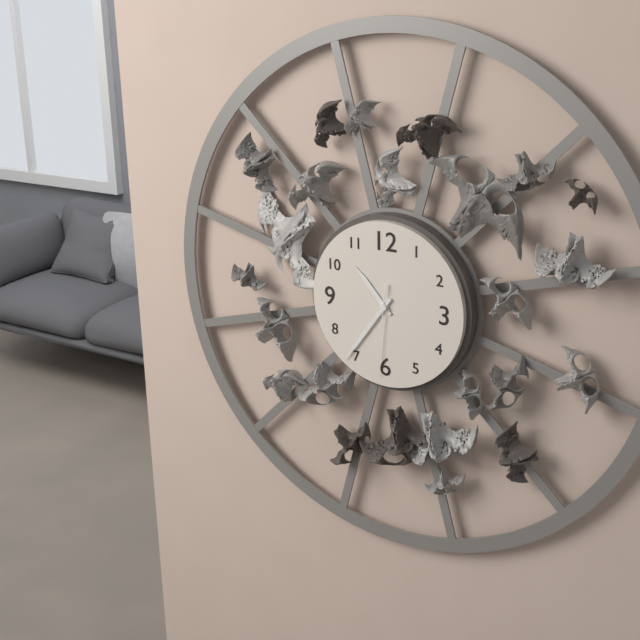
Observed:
{"hour": 10, "minute": 36, "second": 31}
